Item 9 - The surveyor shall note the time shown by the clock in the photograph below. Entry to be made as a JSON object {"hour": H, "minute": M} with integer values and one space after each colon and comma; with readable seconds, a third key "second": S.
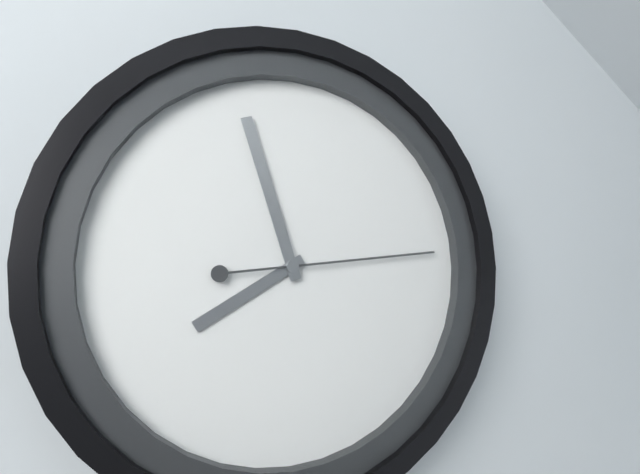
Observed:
{"hour": 7, "minute": 57, "second": 14}
